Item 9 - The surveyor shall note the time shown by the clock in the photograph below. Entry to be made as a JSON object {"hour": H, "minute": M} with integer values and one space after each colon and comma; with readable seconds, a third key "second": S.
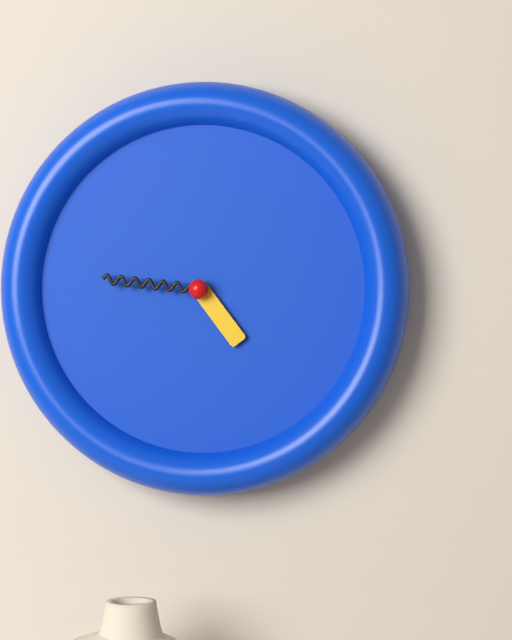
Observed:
{"hour": 4, "minute": 46}
